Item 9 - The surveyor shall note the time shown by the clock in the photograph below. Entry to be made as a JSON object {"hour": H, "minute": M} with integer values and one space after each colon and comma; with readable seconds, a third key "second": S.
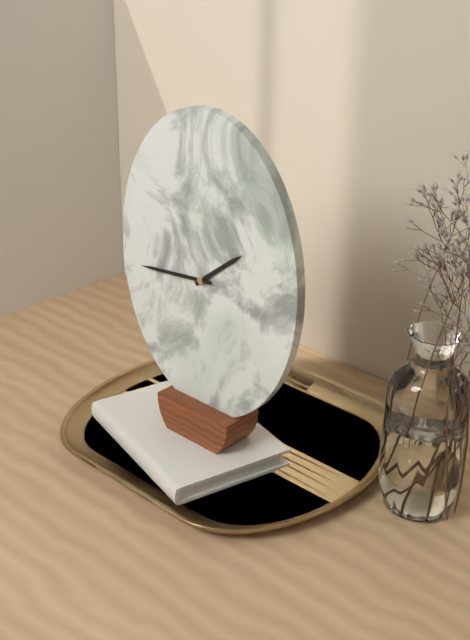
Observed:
{"hour": 1, "minute": 44}
